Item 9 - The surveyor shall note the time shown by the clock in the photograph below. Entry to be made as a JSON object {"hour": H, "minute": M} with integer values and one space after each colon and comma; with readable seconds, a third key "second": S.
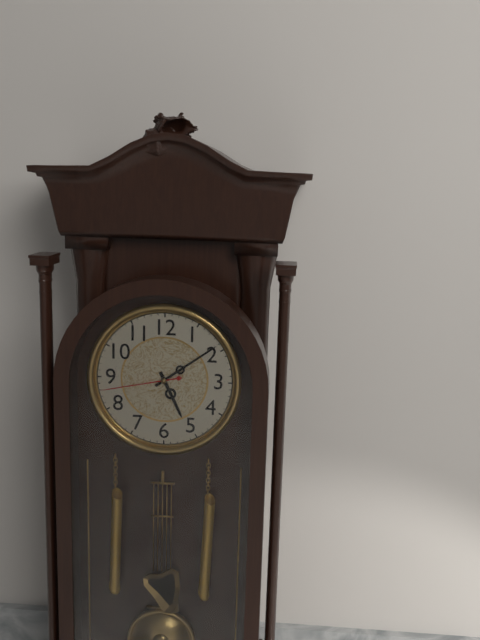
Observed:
{"hour": 5, "minute": 9, "second": 43}
